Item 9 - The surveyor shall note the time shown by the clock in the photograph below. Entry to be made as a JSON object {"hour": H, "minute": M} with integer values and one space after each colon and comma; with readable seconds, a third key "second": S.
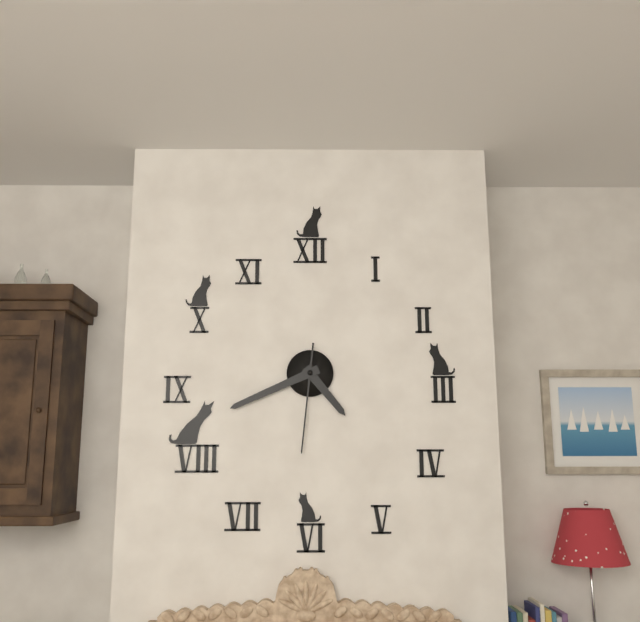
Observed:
{"hour": 4, "minute": 41, "second": 31}
